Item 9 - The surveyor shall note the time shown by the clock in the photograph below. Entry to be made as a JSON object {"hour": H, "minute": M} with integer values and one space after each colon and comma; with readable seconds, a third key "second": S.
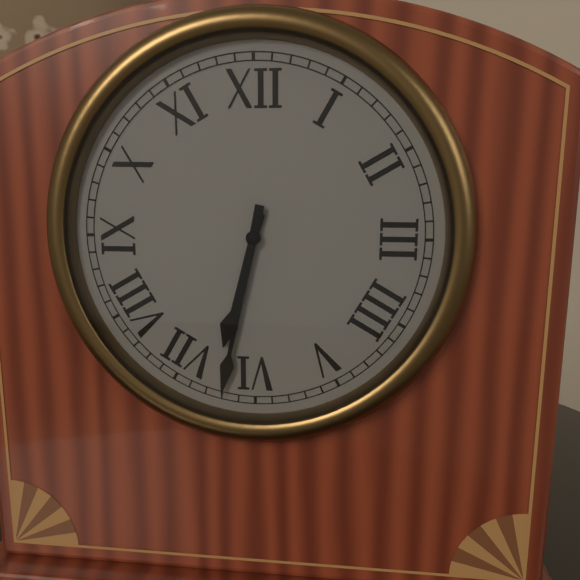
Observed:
{"hour": 6, "minute": 32}
